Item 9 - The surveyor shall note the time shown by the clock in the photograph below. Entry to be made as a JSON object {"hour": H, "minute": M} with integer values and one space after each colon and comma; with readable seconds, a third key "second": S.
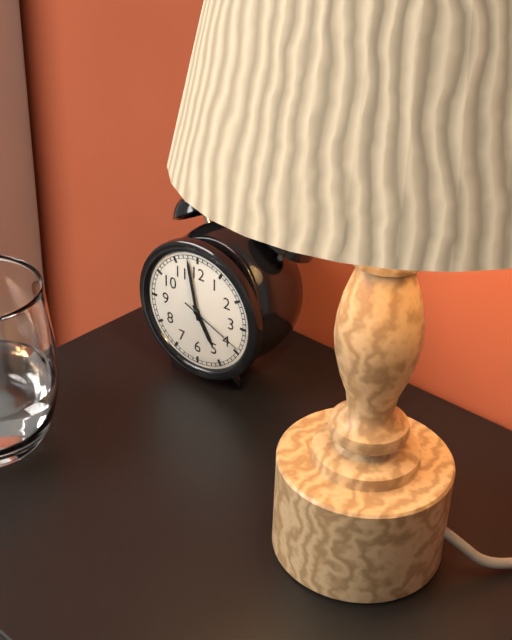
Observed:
{"hour": 4, "minute": 58, "second": 19}
